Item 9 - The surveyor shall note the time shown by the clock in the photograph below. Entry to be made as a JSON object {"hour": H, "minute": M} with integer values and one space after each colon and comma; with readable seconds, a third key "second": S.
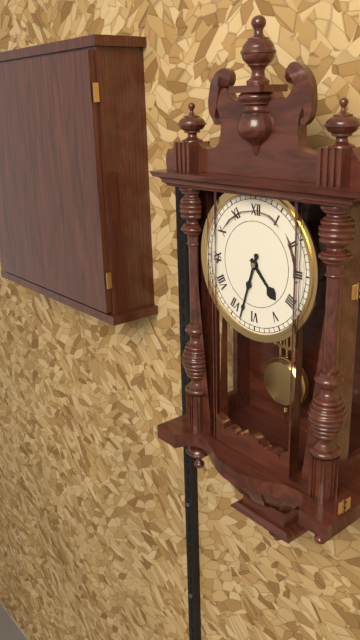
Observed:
{"hour": 4, "minute": 33}
